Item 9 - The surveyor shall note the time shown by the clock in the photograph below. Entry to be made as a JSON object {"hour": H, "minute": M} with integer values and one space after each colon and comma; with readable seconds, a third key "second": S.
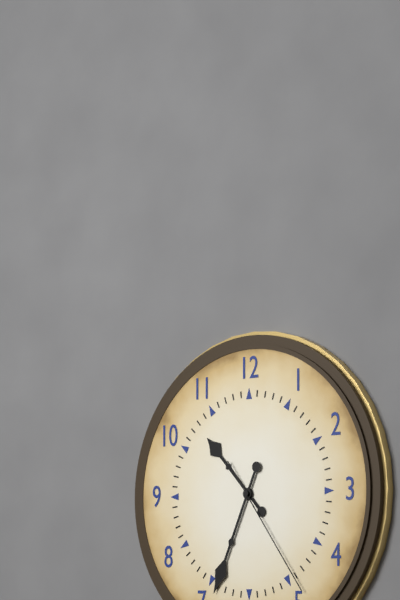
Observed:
{"hour": 10, "minute": 34, "second": 24}
